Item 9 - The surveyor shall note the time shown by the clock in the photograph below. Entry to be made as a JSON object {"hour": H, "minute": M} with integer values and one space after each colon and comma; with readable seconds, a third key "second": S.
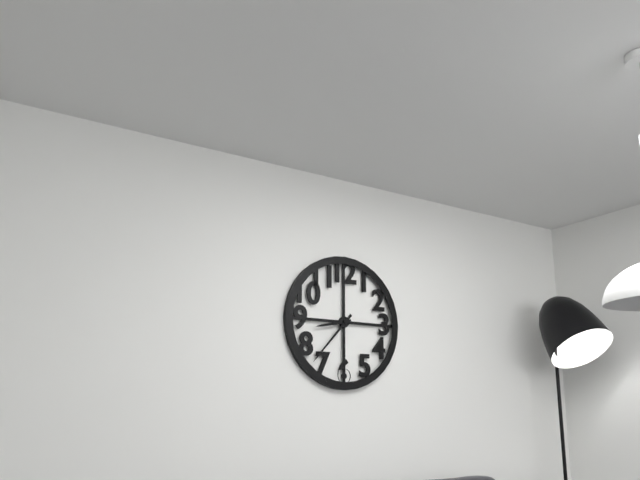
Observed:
{"hour": 8, "minute": 37}
